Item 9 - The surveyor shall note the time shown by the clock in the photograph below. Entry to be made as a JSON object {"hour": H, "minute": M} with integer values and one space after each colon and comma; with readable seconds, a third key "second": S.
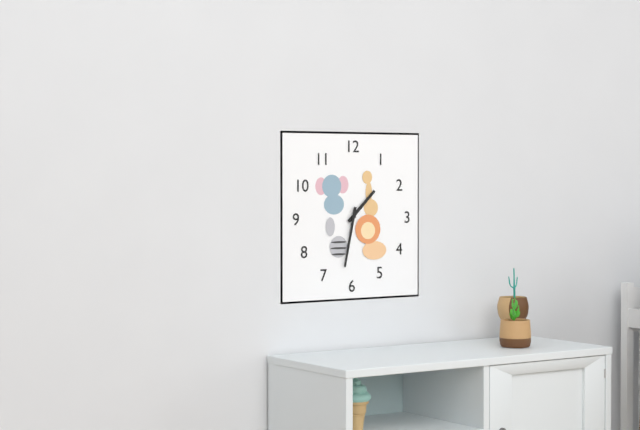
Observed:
{"hour": 1, "minute": 32}
